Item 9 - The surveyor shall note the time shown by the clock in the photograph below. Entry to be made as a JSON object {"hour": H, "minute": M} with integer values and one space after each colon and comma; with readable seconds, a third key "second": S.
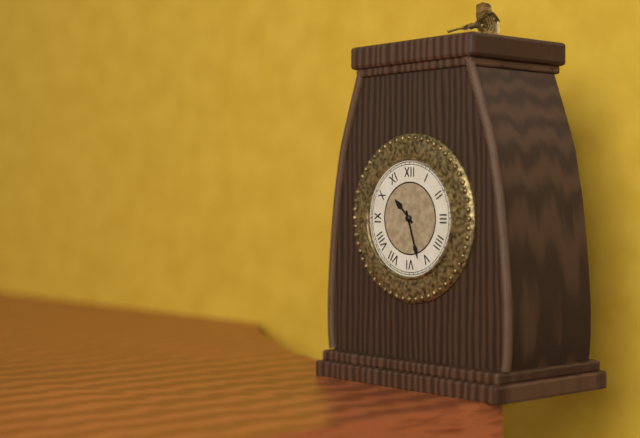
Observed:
{"hour": 10, "minute": 27}
